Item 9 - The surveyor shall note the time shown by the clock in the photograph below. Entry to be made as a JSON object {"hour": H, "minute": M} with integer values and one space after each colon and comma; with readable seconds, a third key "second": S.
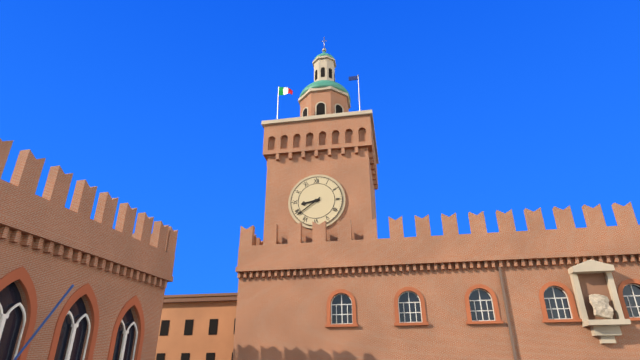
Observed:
{"hour": 8, "minute": 39}
